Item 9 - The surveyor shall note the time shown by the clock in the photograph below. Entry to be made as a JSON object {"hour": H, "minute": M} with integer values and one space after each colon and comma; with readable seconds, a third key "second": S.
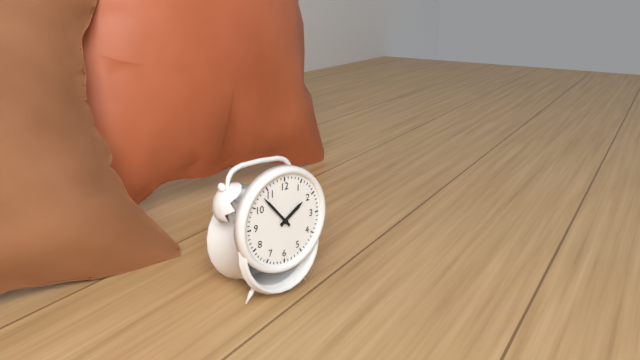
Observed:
{"hour": 1, "minute": 53}
